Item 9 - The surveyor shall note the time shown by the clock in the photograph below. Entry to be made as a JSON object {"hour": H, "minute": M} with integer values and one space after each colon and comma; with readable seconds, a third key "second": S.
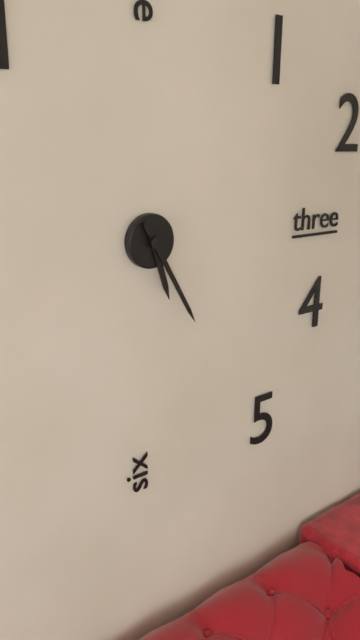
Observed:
{"hour": 5, "minute": 25}
